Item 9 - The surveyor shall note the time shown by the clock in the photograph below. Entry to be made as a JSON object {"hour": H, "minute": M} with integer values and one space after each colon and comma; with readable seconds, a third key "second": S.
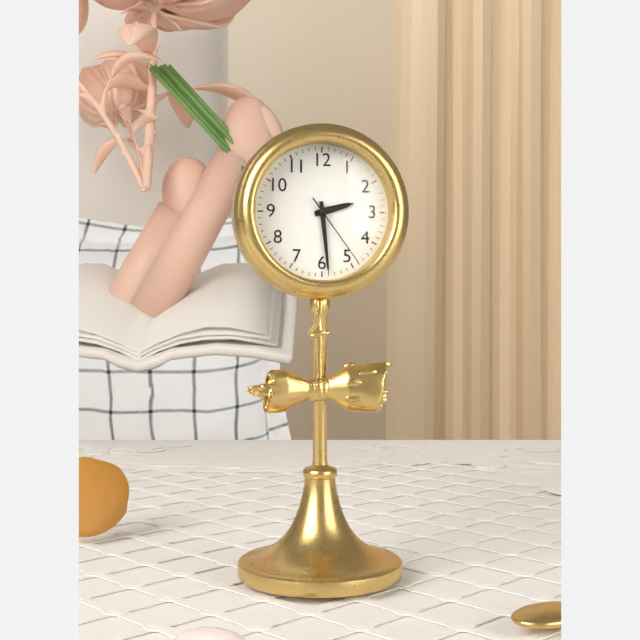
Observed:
{"hour": 2, "minute": 29, "second": 24}
